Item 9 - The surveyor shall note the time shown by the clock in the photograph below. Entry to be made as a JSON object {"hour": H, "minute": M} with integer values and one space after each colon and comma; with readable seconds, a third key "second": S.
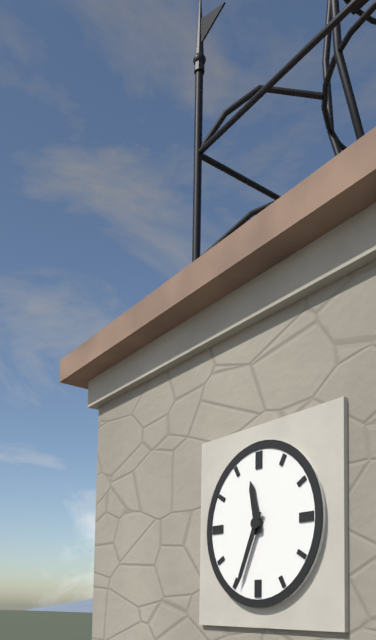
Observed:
{"hour": 11, "minute": 34}
